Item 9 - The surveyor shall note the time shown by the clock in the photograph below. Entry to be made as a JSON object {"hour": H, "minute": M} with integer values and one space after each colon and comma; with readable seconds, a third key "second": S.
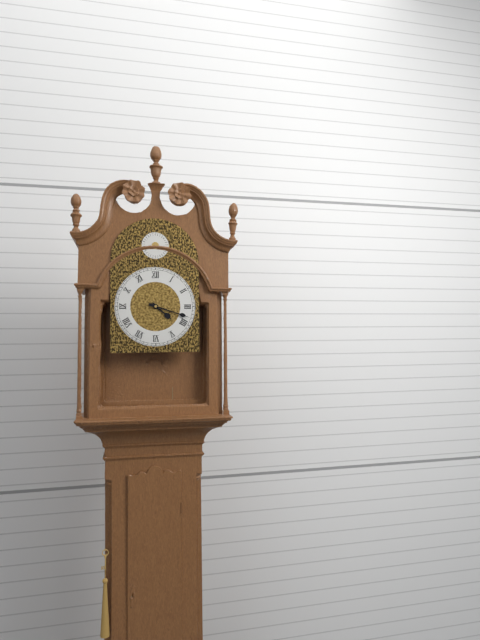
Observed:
{"hour": 4, "minute": 18}
